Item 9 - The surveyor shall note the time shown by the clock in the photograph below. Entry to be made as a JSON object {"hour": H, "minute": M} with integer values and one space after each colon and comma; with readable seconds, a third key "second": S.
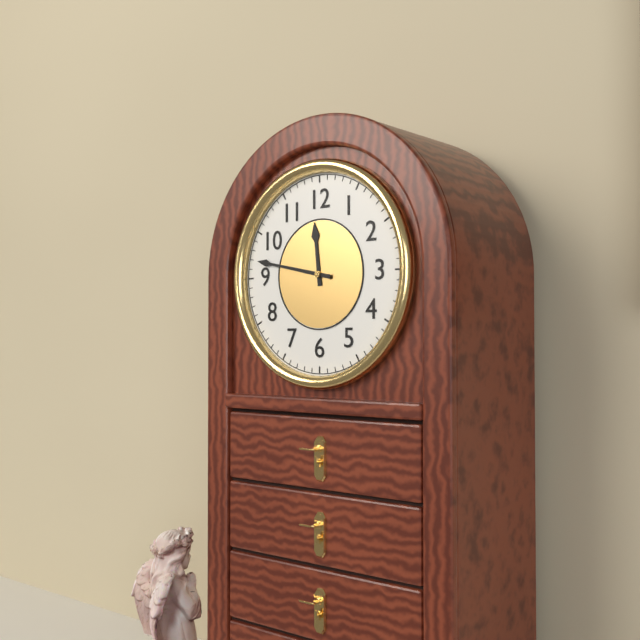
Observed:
{"hour": 11, "minute": 47}
